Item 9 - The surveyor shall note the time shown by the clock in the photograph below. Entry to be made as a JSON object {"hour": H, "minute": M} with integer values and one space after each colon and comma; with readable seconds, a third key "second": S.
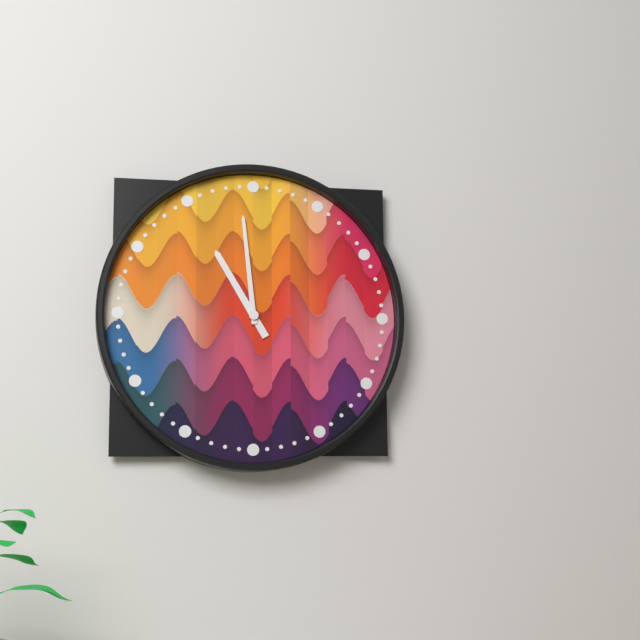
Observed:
{"hour": 10, "minute": 59}
